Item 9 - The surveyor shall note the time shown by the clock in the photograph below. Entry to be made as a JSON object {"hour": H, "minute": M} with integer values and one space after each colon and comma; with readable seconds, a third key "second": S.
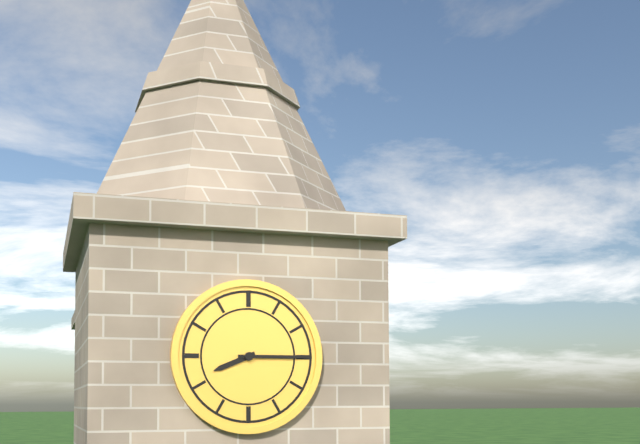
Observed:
{"hour": 8, "minute": 15}
